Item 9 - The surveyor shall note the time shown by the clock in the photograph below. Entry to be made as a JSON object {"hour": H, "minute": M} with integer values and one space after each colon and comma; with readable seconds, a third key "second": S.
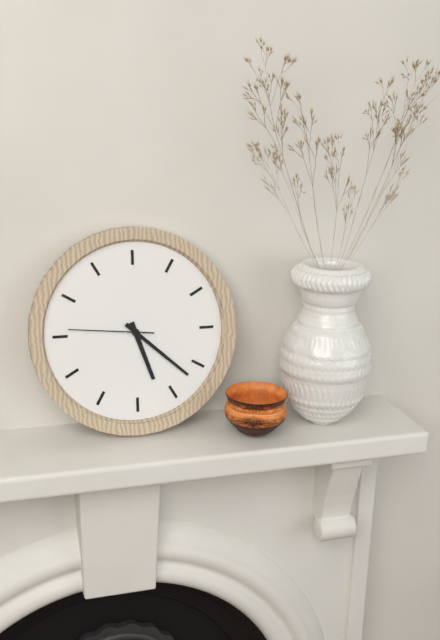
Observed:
{"hour": 5, "minute": 22, "second": 46}
